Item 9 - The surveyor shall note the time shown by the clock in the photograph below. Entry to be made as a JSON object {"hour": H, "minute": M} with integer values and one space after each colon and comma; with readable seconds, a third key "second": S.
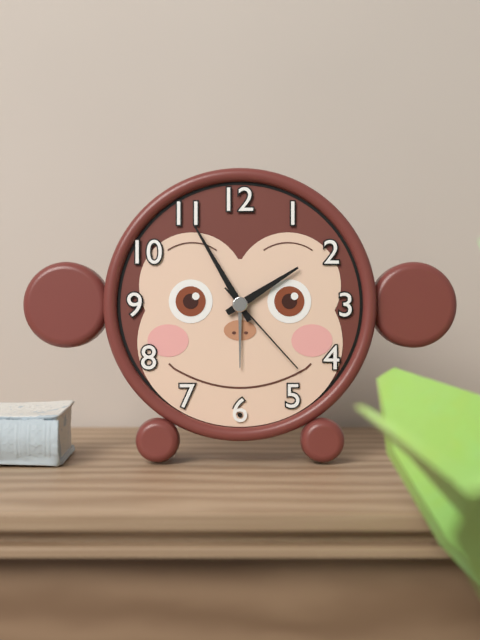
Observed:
{"hour": 1, "minute": 55, "second": 23}
